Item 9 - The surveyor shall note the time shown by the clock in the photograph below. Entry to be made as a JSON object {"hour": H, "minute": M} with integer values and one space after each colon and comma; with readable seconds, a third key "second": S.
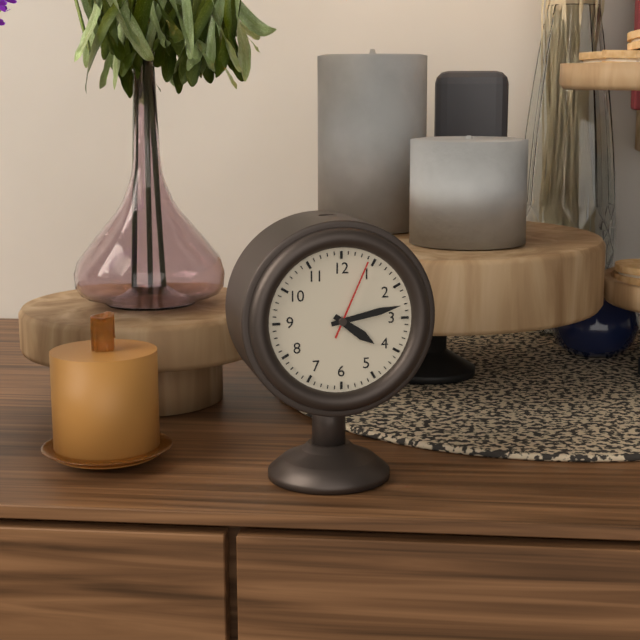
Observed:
{"hour": 4, "minute": 13, "second": 4}
